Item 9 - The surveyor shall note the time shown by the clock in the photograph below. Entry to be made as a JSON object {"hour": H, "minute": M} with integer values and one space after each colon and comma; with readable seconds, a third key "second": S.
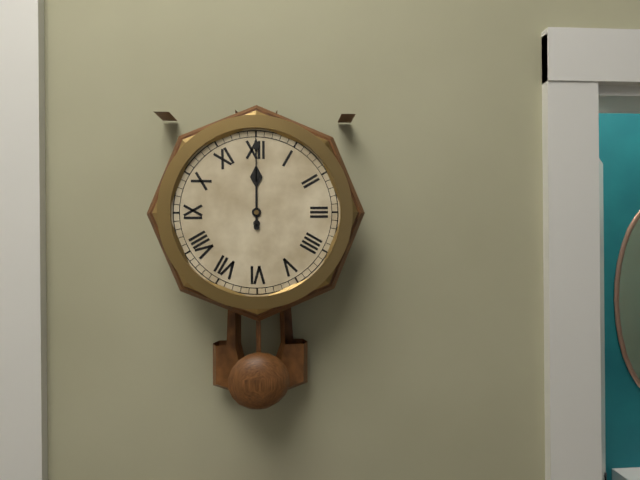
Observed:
{"hour": 12, "minute": 0}
